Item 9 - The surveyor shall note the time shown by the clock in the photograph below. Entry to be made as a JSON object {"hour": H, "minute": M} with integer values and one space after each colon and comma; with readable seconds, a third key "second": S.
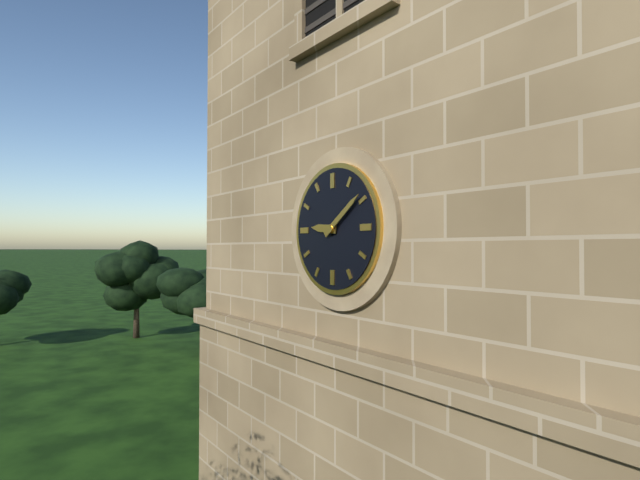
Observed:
{"hour": 9, "minute": 9}
